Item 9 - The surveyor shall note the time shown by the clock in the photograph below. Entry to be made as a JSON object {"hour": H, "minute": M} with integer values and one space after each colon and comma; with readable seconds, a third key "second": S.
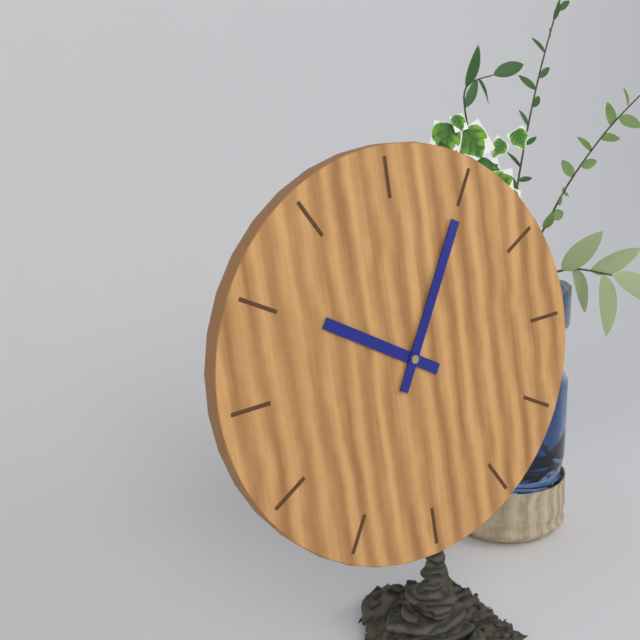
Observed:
{"hour": 10, "minute": 5}
